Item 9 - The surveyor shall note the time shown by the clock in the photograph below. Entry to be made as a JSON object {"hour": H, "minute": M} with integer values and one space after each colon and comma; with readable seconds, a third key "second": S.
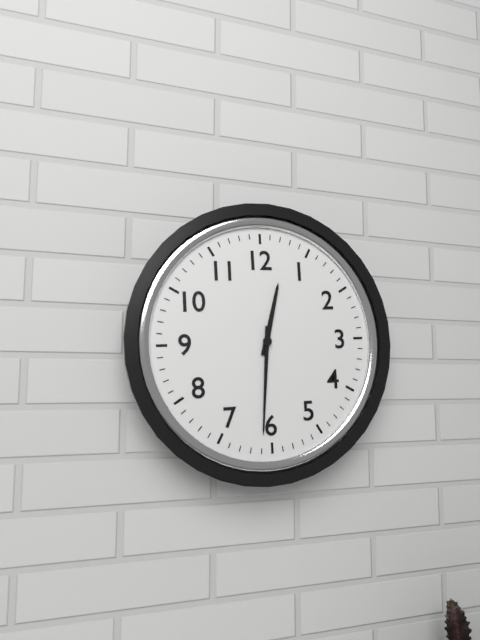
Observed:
{"hour": 12, "minute": 31}
